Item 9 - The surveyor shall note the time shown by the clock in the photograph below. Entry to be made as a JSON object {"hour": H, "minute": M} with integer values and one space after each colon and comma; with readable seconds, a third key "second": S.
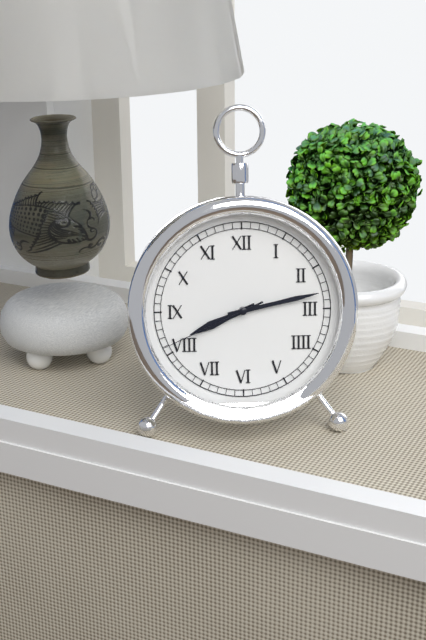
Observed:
{"hour": 8, "minute": 13, "second": 41}
